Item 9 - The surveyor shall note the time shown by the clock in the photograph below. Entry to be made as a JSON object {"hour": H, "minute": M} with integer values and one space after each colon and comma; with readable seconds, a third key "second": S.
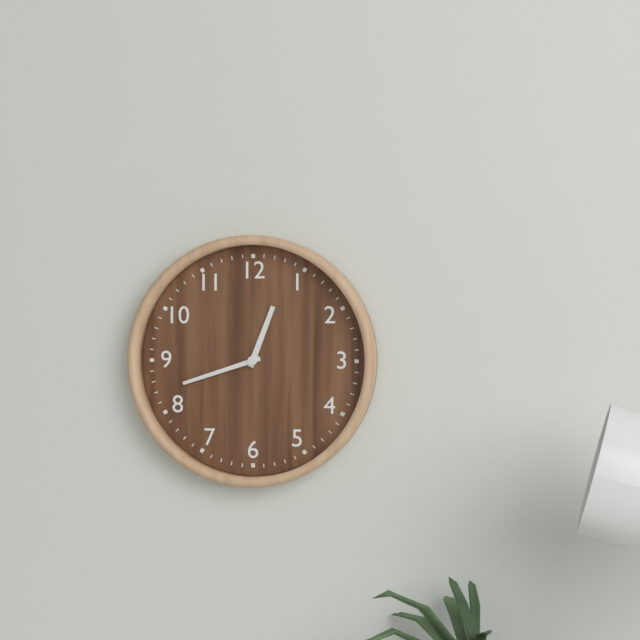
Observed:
{"hour": 12, "minute": 42}
